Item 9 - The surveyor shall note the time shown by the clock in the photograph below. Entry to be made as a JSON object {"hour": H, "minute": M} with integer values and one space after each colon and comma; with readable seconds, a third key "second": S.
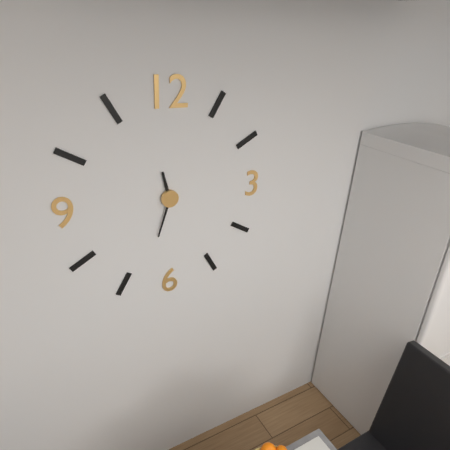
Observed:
{"hour": 11, "minute": 33}
